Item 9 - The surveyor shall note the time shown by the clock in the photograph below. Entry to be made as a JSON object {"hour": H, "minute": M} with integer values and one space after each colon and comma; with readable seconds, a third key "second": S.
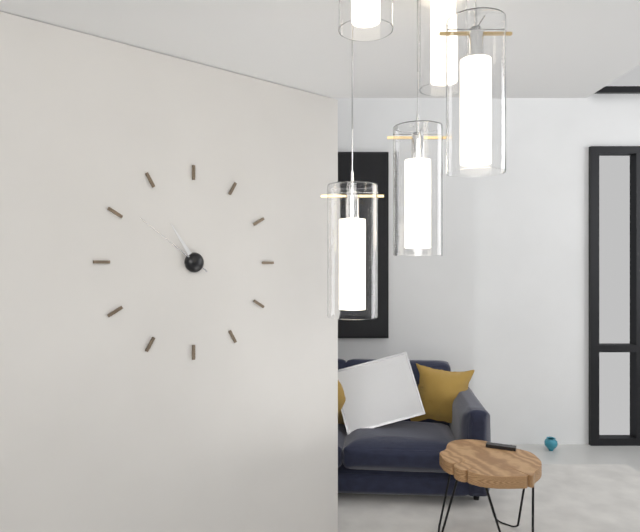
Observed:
{"hour": 10, "minute": 51}
